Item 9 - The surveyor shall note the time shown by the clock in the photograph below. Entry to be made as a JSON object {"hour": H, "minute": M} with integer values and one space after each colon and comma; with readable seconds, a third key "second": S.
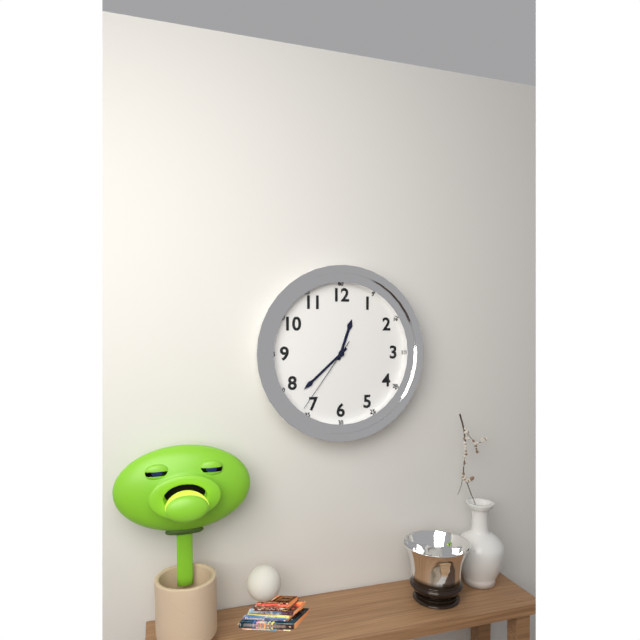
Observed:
{"hour": 12, "minute": 38, "second": 36}
